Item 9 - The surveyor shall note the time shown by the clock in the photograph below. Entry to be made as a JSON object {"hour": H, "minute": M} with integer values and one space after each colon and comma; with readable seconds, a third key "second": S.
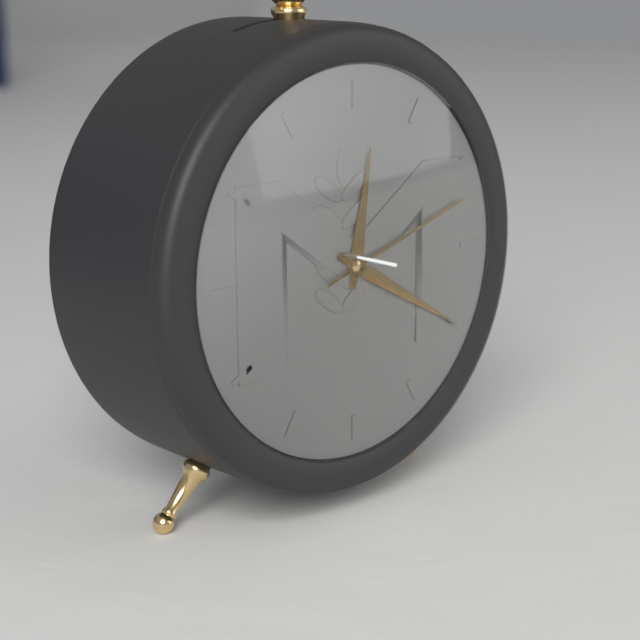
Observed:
{"hour": 12, "minute": 20, "second": 12}
